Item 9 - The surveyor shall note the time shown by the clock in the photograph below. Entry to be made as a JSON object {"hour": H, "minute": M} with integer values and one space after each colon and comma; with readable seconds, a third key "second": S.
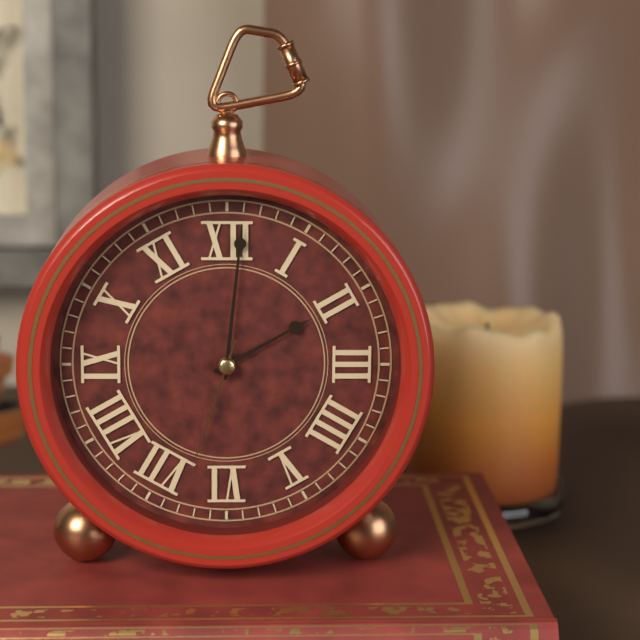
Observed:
{"hour": 2, "minute": 1, "second": 33}
